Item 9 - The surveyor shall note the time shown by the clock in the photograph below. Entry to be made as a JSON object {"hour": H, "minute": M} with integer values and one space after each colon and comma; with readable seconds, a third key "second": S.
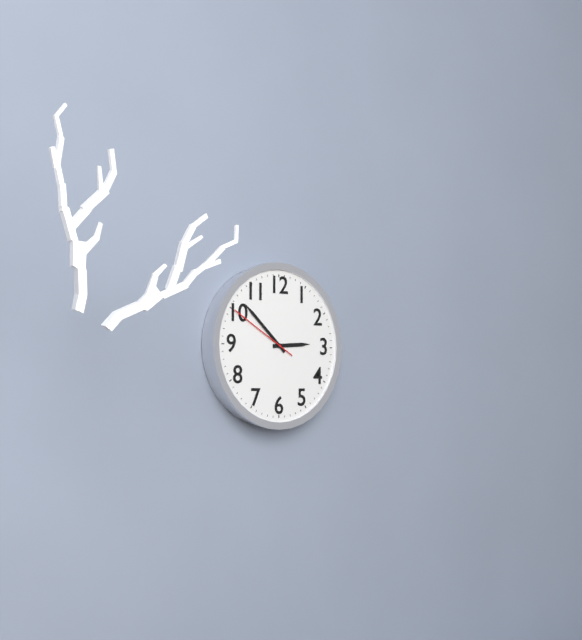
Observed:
{"hour": 2, "minute": 52, "second": 50}
